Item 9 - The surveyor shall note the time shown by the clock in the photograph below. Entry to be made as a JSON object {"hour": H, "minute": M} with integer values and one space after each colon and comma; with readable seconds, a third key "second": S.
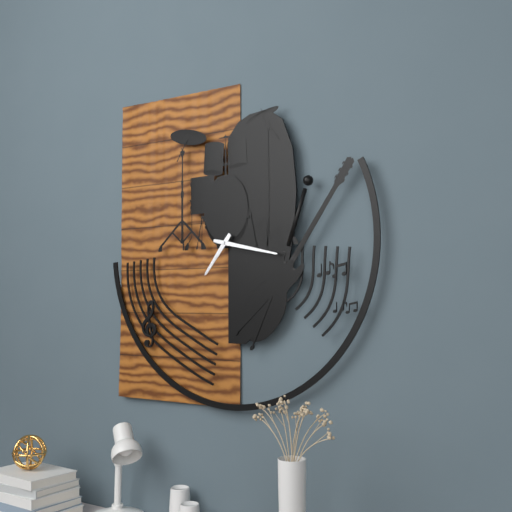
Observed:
{"hour": 7, "minute": 17}
